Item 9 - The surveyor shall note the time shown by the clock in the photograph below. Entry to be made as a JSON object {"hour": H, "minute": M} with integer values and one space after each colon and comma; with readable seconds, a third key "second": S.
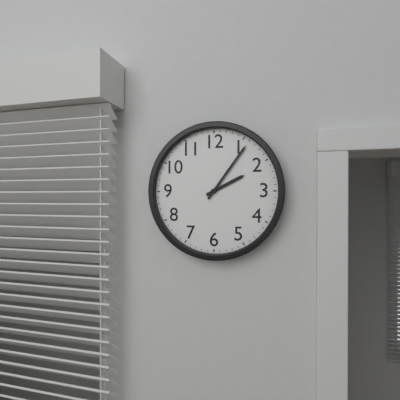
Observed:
{"hour": 2, "minute": 6}
